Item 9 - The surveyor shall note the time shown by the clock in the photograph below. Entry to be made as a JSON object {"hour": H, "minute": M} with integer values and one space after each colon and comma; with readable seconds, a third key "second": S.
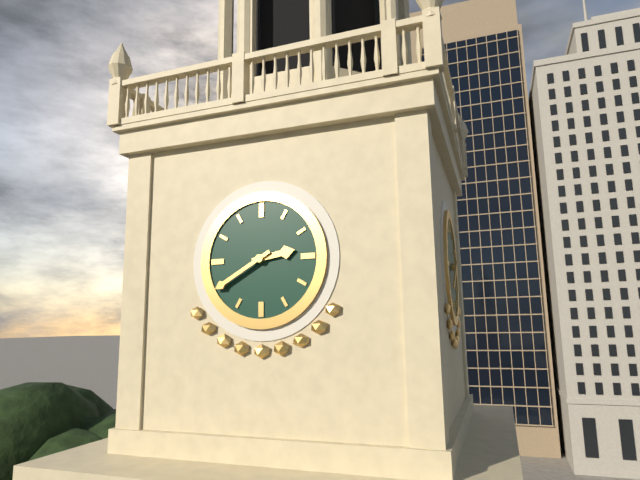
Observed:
{"hour": 2, "minute": 40}
